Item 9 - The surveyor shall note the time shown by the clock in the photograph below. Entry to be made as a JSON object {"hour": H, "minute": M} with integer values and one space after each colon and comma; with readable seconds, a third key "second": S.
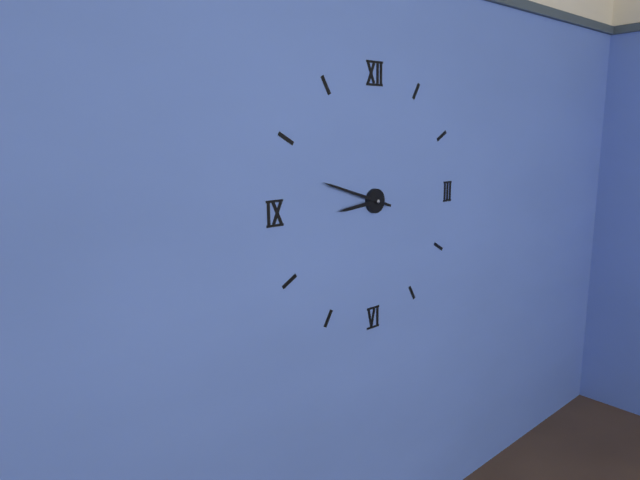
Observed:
{"hour": 8, "minute": 48}
